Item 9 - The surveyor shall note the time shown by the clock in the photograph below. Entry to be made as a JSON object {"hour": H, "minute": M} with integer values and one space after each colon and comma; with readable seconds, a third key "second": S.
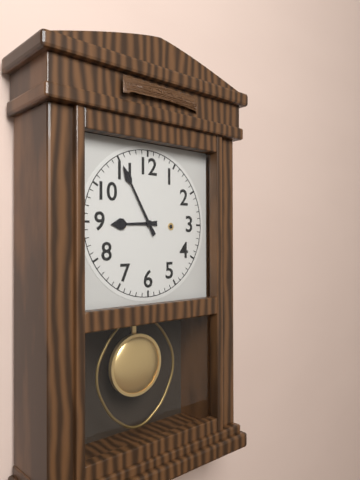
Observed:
{"hour": 8, "minute": 55}
